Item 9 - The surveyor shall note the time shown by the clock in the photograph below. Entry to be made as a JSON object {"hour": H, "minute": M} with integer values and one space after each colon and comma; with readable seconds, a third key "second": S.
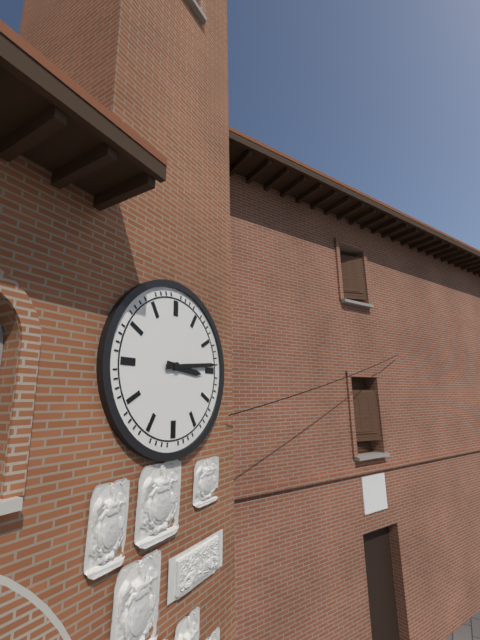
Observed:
{"hour": 3, "minute": 14}
